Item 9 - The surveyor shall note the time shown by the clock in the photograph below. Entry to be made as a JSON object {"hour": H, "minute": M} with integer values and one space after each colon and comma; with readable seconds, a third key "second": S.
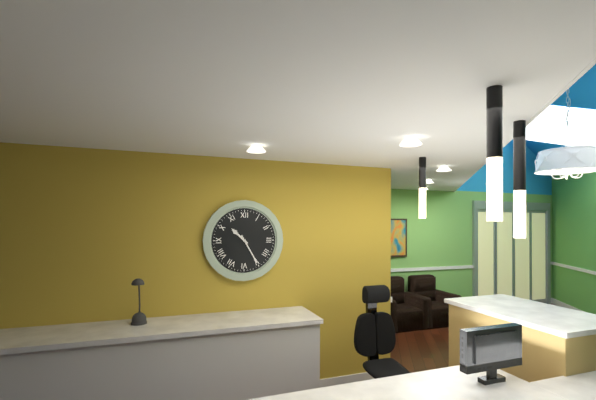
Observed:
{"hour": 10, "minute": 25}
